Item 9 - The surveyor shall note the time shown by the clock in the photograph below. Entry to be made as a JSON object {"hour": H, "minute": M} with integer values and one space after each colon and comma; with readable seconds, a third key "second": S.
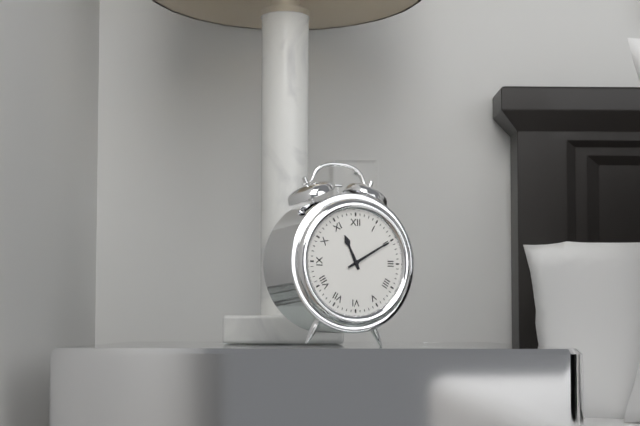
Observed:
{"hour": 11, "minute": 10}
